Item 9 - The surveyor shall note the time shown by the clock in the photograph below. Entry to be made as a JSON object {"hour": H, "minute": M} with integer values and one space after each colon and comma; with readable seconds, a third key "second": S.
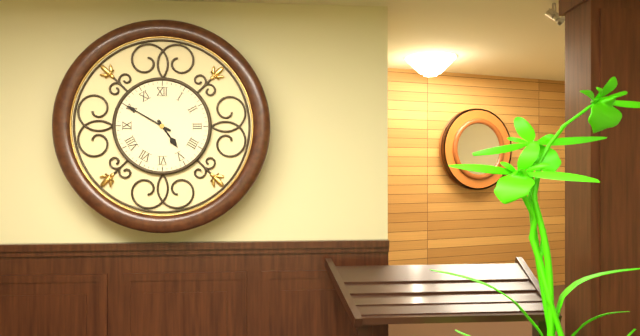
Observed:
{"hour": 4, "minute": 50}
